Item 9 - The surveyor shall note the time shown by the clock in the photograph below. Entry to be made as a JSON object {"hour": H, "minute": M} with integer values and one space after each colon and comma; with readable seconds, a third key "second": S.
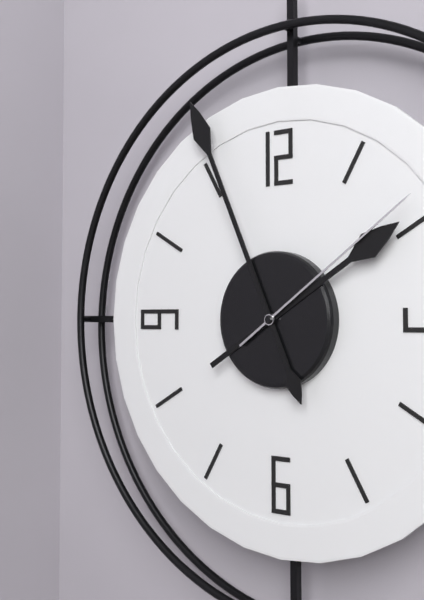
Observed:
{"hour": 1, "minute": 56, "second": 9}
